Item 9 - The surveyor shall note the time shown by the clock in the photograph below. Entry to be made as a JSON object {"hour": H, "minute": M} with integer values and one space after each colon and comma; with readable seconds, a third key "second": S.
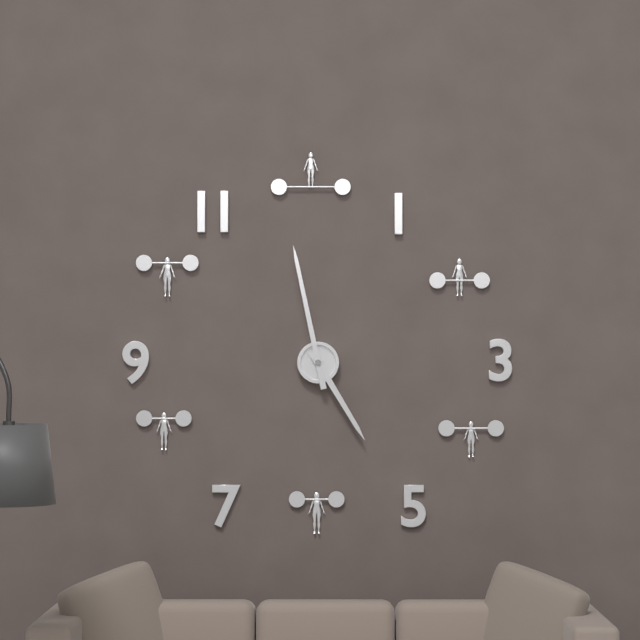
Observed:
{"hour": 4, "minute": 58}
